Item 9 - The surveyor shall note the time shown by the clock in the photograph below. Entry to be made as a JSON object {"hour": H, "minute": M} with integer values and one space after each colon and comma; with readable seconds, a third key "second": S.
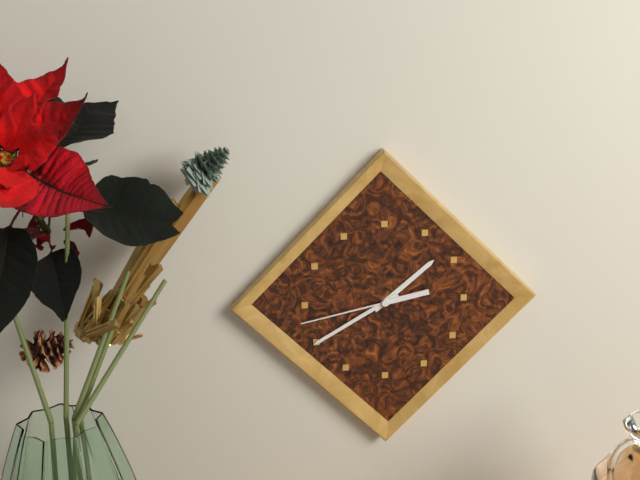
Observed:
{"hour": 1, "minute": 40, "second": 43}
